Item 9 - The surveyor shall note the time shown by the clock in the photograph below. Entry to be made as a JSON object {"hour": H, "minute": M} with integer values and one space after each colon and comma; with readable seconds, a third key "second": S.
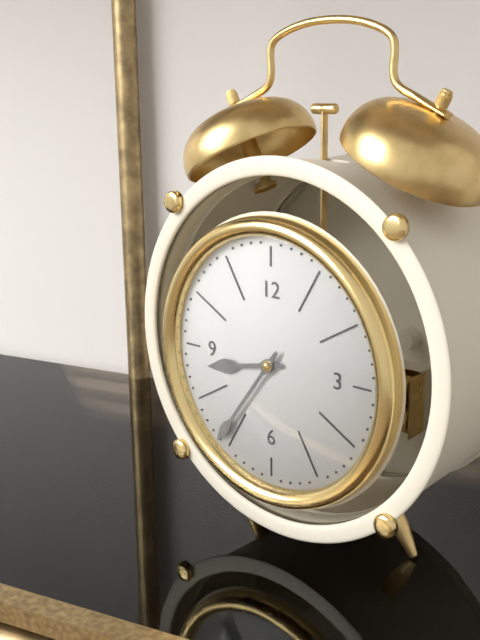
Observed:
{"hour": 8, "minute": 36}
